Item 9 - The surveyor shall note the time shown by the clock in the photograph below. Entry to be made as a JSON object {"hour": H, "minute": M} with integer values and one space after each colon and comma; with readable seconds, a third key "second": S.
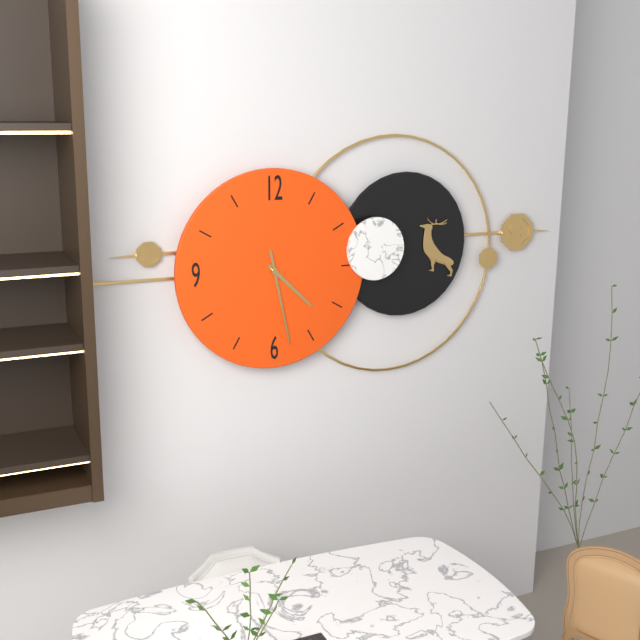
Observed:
{"hour": 4, "minute": 28}
